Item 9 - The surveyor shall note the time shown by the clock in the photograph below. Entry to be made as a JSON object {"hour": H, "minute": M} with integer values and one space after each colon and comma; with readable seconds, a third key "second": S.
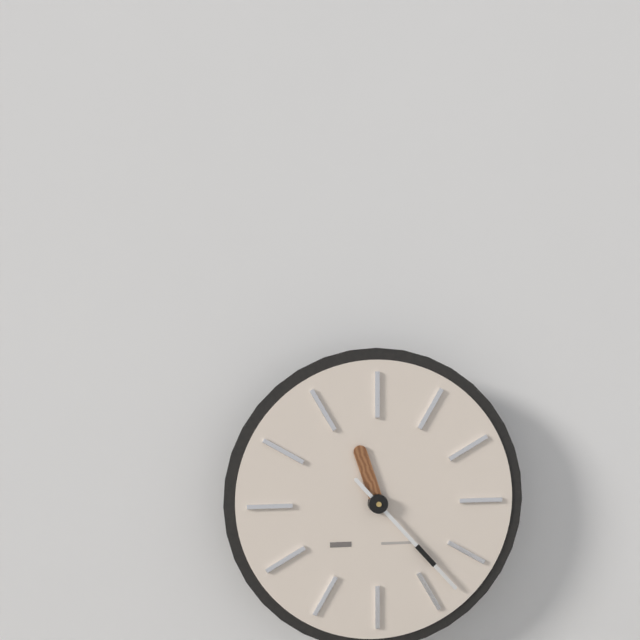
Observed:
{"hour": 11, "minute": 23}
